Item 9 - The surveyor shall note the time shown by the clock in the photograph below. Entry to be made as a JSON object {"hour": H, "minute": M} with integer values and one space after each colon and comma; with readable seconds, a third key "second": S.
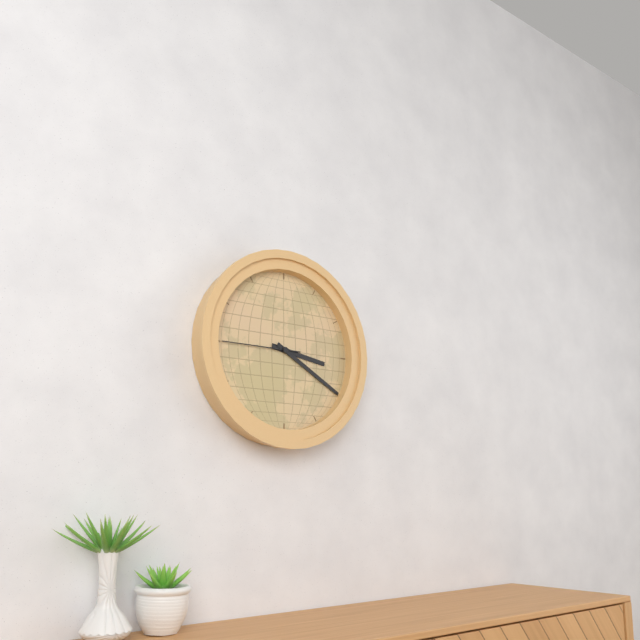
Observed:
{"hour": 3, "minute": 20, "second": 45}
